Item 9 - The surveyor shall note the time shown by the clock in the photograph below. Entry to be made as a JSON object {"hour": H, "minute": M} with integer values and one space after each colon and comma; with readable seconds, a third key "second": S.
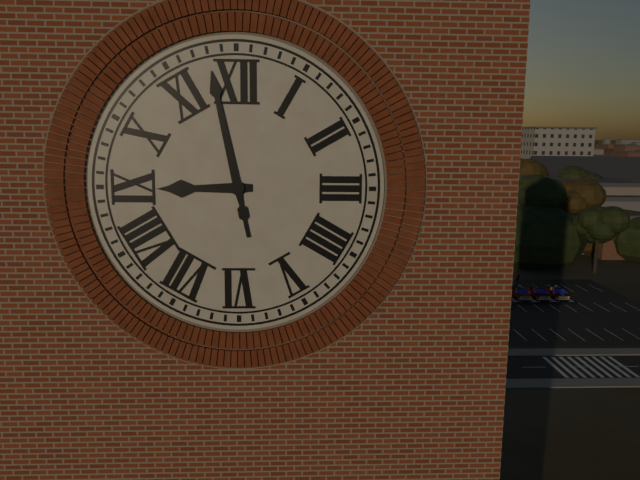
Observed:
{"hour": 8, "minute": 58}
